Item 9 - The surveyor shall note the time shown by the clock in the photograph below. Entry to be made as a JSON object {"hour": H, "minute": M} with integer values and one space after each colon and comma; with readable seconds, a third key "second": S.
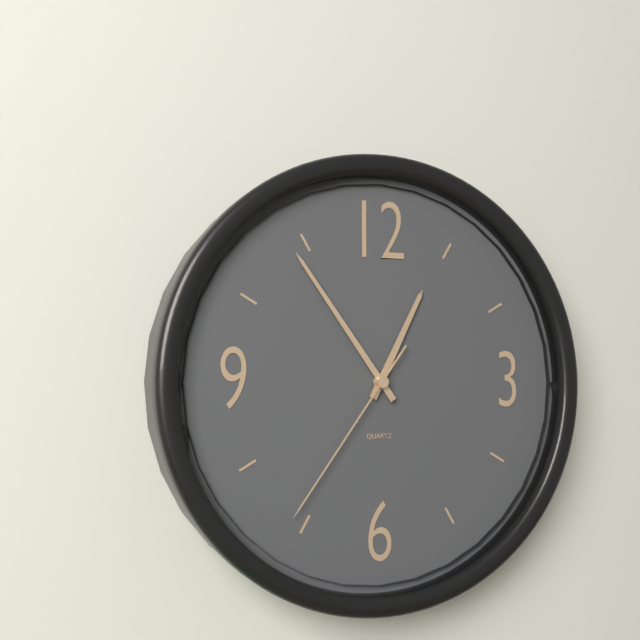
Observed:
{"hour": 12, "minute": 54, "second": 36}
